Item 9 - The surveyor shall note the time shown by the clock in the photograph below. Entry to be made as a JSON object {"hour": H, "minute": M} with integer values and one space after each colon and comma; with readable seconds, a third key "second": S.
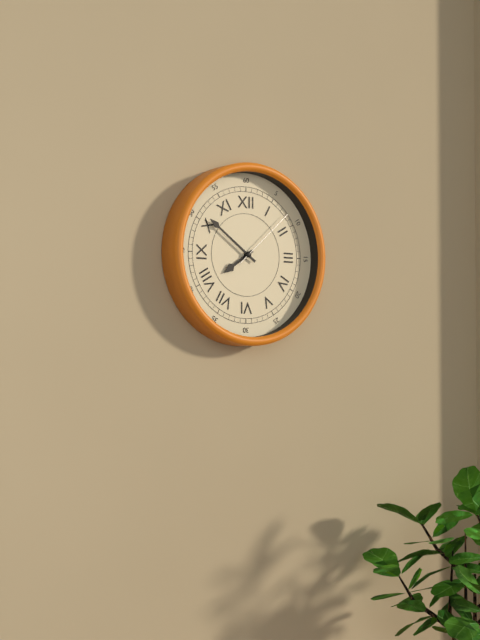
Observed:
{"hour": 7, "minute": 51, "second": 8}
